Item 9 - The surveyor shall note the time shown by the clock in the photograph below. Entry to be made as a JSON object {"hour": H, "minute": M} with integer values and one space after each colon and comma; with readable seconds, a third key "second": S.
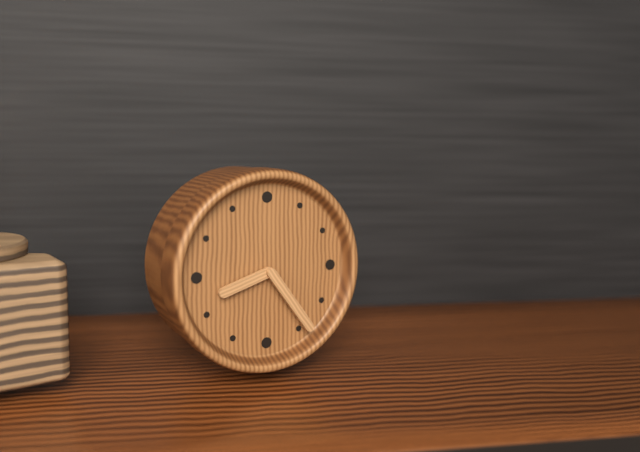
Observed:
{"hour": 8, "minute": 24}
